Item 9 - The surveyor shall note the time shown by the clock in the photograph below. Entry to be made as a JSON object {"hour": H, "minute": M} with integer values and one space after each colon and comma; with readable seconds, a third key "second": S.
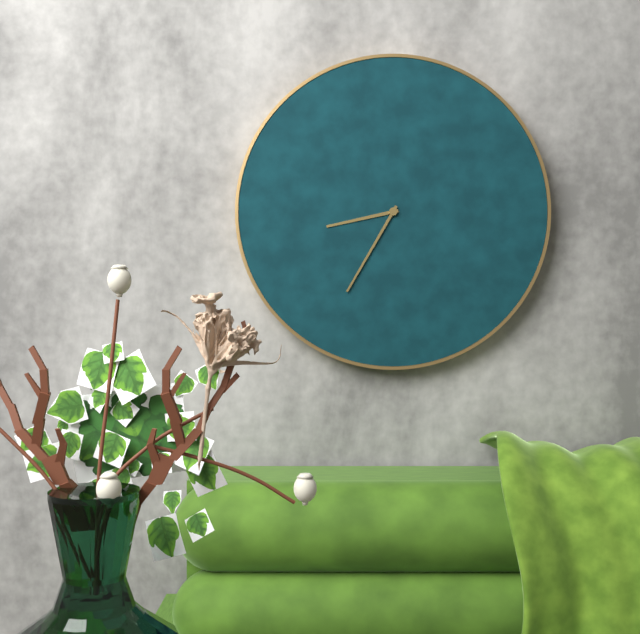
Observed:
{"hour": 8, "minute": 35}
